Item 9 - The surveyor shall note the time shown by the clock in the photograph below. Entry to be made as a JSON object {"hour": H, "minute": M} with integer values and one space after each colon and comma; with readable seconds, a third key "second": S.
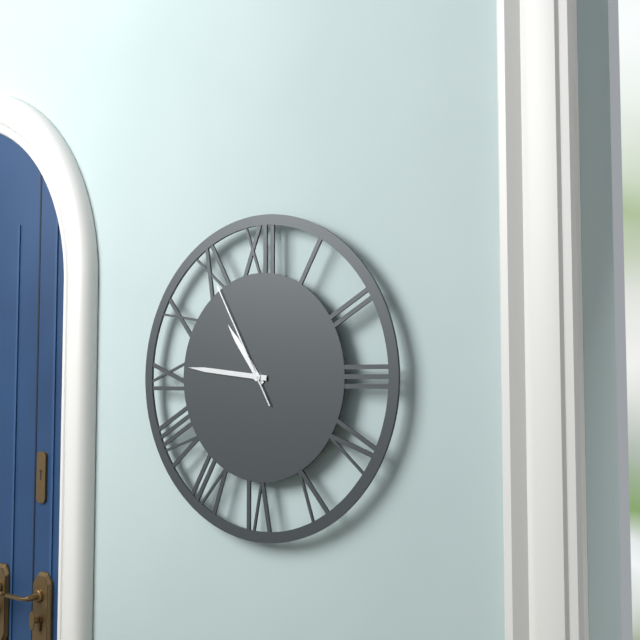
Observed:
{"hour": 10, "minute": 46, "second": 55}
